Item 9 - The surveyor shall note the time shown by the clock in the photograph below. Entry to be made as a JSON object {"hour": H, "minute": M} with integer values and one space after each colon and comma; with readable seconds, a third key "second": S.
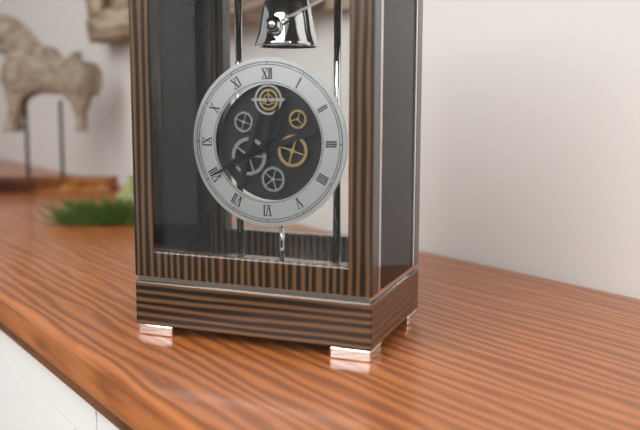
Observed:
{"hour": 12, "minute": 40}
